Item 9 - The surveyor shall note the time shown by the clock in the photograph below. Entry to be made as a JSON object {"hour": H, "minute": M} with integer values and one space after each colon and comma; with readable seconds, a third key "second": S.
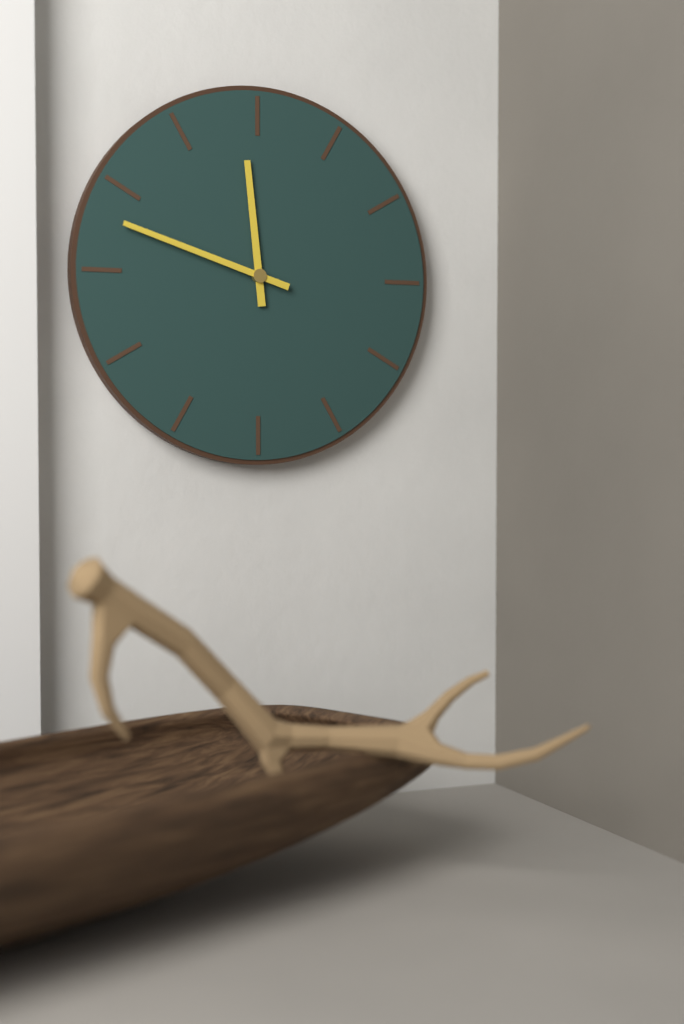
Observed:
{"hour": 11, "minute": 48}
